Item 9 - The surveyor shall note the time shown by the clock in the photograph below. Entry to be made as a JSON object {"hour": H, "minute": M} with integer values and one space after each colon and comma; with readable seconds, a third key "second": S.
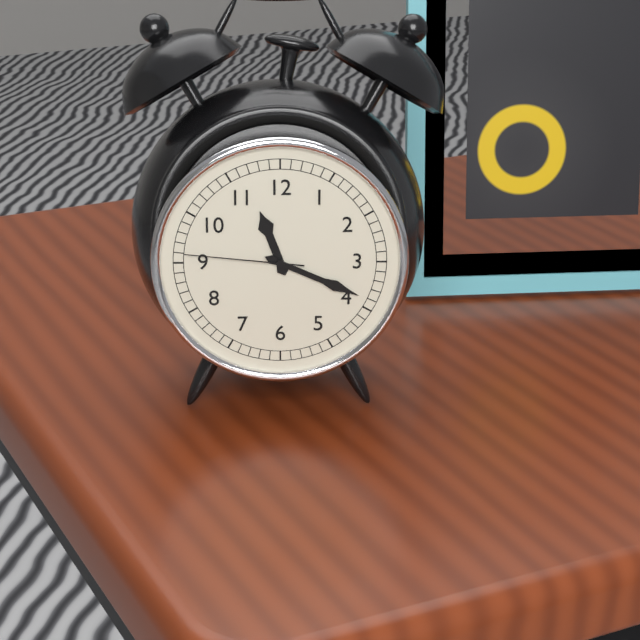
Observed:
{"hour": 11, "minute": 19, "second": 46}
